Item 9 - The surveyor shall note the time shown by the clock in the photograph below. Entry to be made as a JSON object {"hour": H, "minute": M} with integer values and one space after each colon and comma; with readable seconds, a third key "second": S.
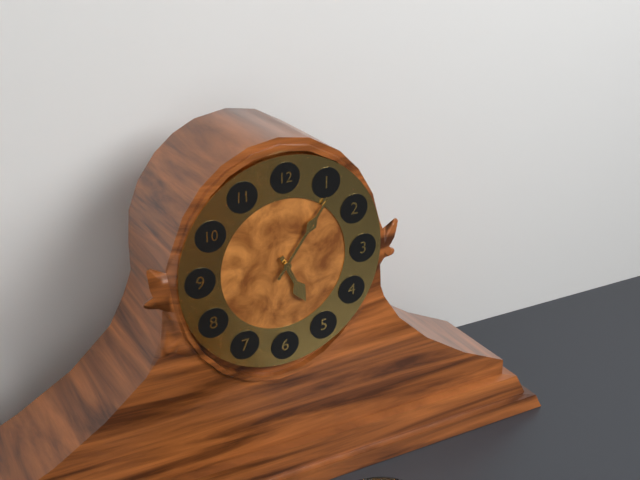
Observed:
{"hour": 5, "minute": 6}
